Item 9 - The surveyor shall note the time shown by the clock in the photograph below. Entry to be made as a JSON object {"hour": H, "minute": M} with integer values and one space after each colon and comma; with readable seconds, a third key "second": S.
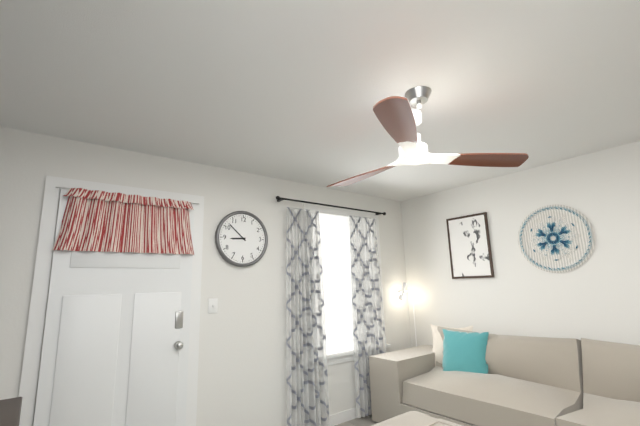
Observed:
{"hour": 8, "minute": 52}
